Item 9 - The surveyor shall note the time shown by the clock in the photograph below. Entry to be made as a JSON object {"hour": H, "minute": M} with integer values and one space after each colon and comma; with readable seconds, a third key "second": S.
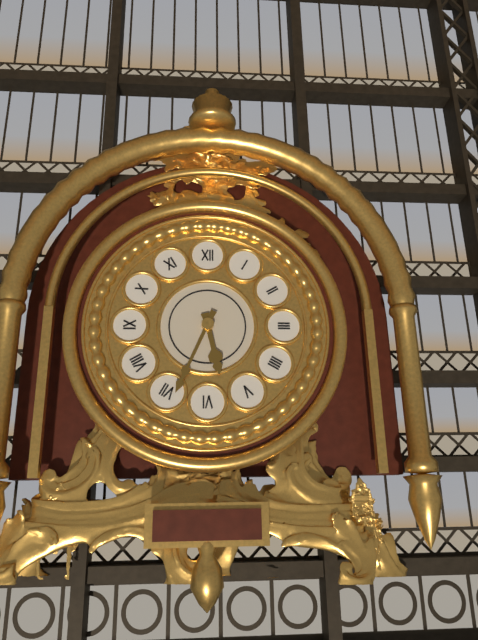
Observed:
{"hour": 5, "minute": 34}
